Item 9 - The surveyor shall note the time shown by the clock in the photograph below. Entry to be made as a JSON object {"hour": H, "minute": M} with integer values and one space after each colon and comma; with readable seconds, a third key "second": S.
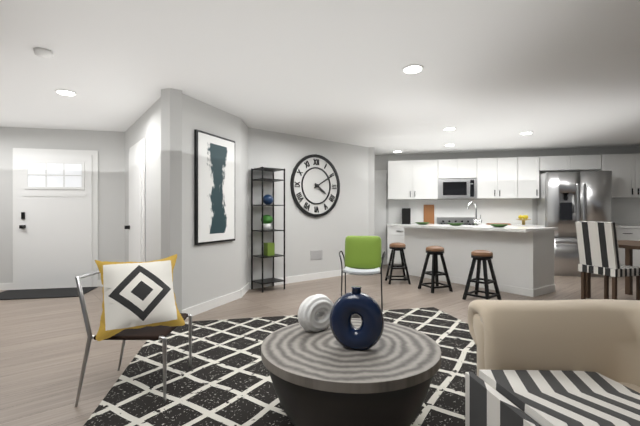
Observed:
{"hour": 4, "minute": 10}
